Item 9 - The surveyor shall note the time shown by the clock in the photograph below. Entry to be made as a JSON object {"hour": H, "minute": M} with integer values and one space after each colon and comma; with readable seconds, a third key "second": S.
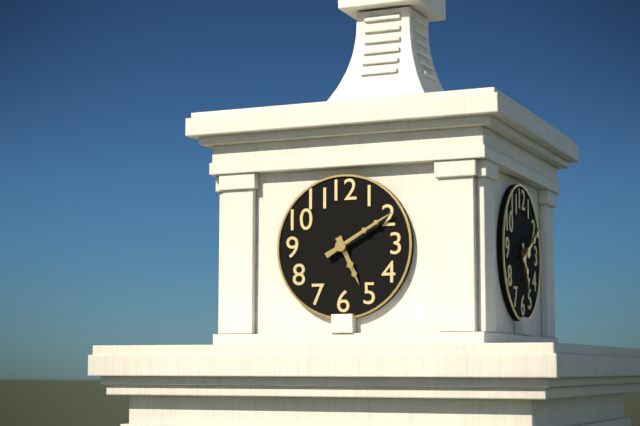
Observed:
{"hour": 5, "minute": 10}
